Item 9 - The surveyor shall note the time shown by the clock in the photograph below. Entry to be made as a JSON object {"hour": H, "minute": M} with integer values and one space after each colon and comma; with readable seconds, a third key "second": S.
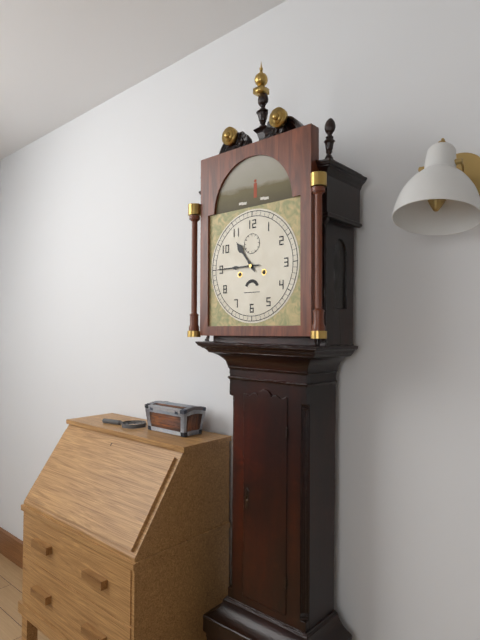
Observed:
{"hour": 10, "minute": 45}
